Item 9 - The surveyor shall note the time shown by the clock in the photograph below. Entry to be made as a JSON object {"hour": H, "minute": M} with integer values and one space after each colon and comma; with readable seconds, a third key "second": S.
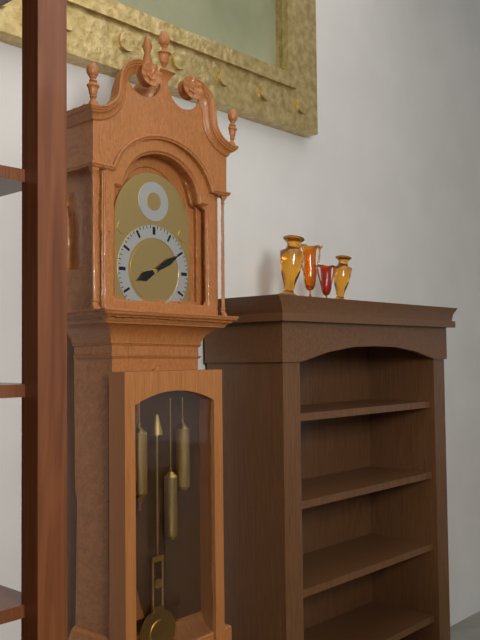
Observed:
{"hour": 8, "minute": 10}
